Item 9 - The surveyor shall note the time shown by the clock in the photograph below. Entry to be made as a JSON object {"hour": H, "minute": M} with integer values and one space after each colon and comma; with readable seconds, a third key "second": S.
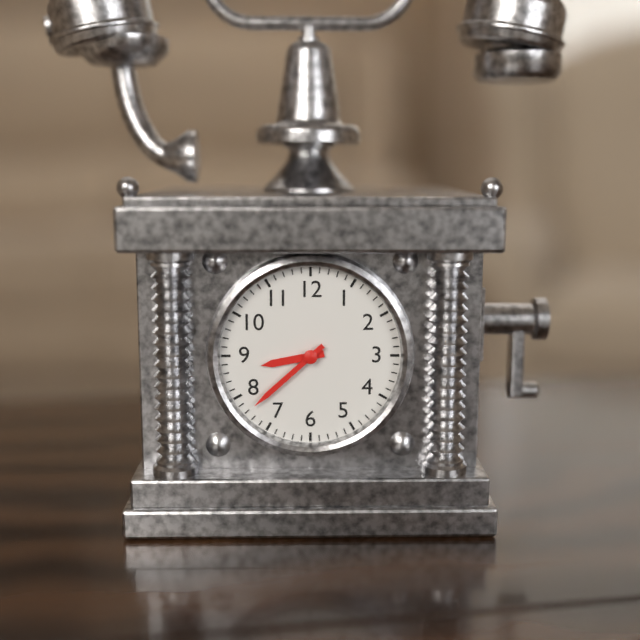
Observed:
{"hour": 8, "minute": 38}
